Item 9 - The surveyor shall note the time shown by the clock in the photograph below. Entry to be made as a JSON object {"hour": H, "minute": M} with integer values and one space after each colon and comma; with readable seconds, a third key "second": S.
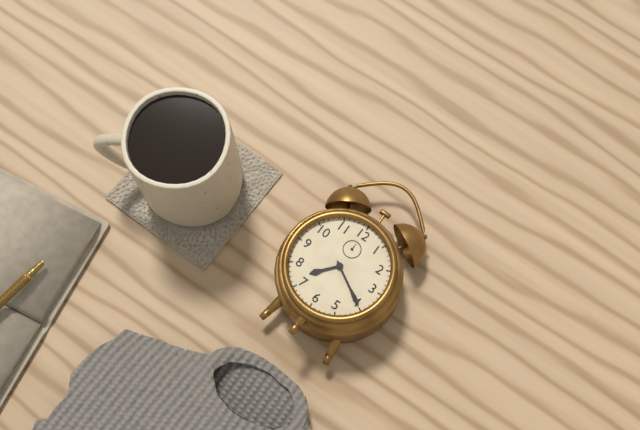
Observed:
{"hour": 7, "minute": 20}
